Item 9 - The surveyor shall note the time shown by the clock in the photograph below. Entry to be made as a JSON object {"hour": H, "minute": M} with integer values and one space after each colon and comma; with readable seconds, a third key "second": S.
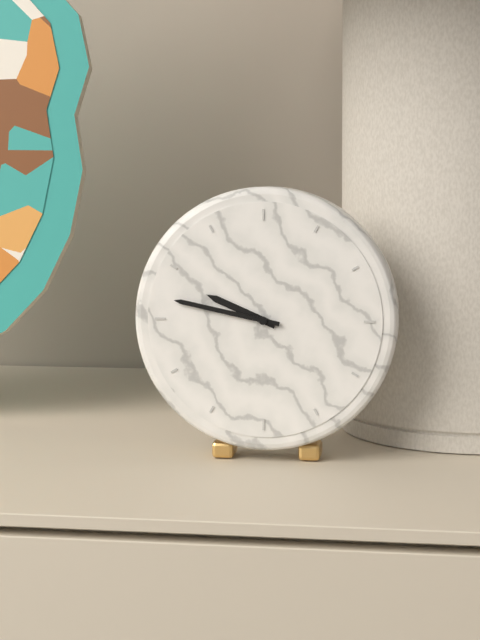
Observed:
{"hour": 9, "minute": 47}
